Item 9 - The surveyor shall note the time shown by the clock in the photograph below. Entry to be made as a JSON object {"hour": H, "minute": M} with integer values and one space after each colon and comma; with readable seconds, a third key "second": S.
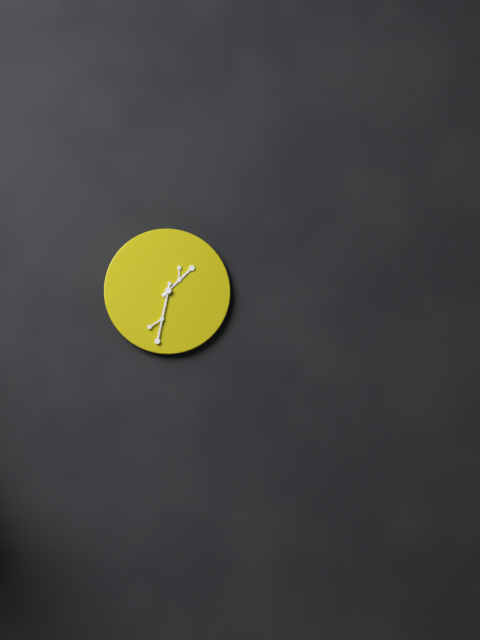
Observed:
{"hour": 1, "minute": 32}
